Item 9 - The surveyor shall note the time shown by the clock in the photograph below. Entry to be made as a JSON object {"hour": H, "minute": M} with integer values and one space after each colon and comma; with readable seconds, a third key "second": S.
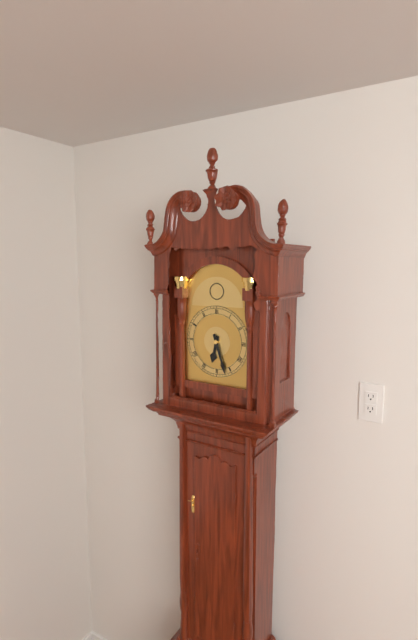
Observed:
{"hour": 6, "minute": 27}
